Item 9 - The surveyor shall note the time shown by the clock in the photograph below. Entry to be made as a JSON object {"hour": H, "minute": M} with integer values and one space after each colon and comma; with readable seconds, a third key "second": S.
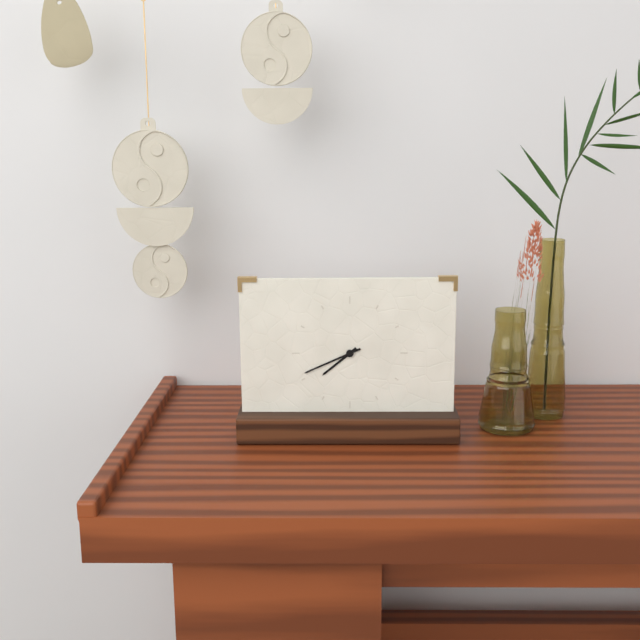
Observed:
{"hour": 7, "minute": 41}
